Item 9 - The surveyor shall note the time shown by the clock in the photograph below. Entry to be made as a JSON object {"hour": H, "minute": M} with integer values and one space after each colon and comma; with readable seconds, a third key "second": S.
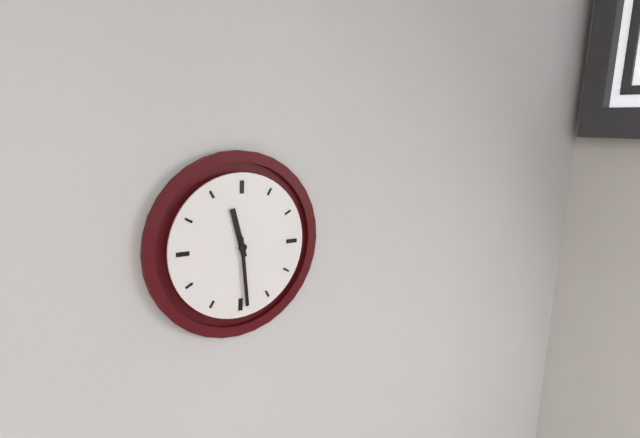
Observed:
{"hour": 11, "minute": 29}
